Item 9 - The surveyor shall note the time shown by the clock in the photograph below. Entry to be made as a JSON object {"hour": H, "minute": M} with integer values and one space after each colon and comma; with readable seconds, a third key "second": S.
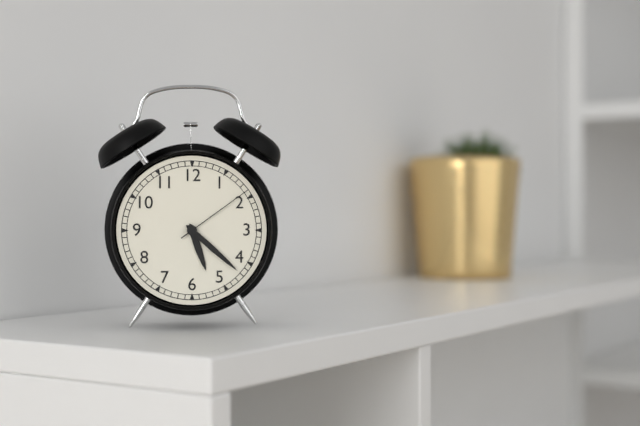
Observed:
{"hour": 5, "minute": 22, "second": 9}
